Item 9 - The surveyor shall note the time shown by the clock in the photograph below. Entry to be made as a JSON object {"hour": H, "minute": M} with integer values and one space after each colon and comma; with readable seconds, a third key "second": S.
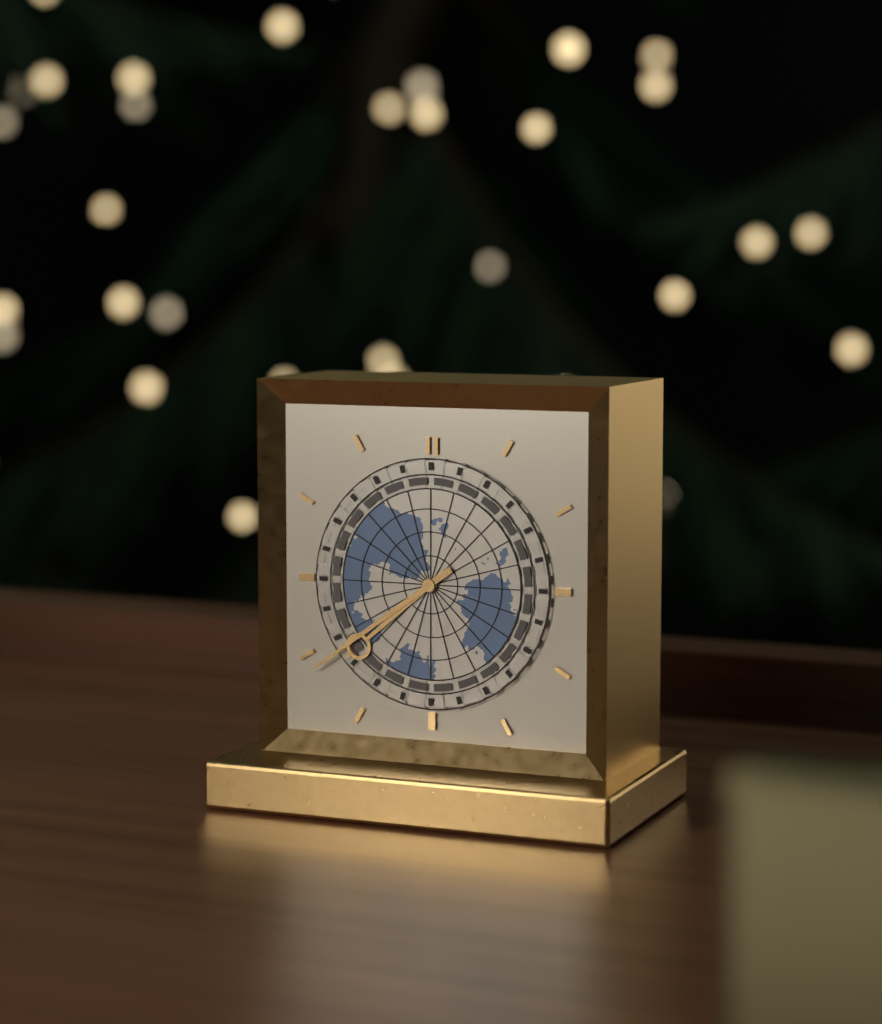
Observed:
{"hour": 7, "minute": 39}
